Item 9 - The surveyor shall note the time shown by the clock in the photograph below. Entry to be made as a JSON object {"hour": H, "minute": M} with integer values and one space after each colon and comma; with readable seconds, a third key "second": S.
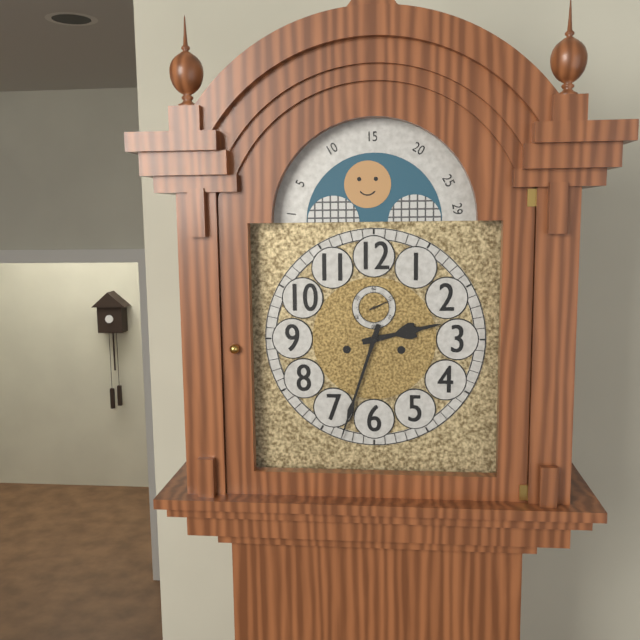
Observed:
{"hour": 2, "minute": 33}
